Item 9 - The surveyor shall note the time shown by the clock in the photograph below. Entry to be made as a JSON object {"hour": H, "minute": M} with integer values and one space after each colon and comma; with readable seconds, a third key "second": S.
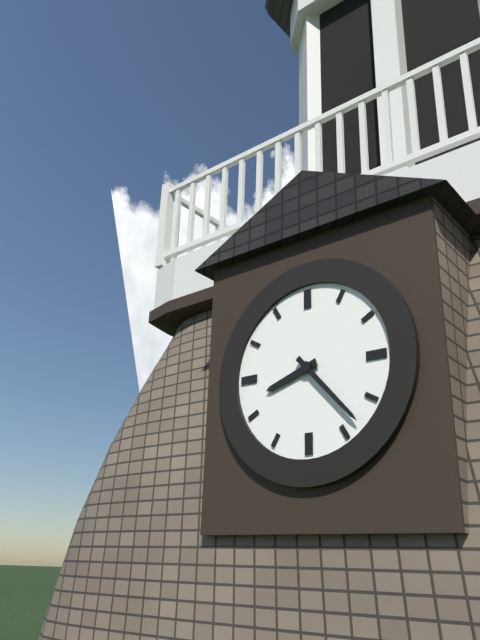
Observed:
{"hour": 8, "minute": 23}
